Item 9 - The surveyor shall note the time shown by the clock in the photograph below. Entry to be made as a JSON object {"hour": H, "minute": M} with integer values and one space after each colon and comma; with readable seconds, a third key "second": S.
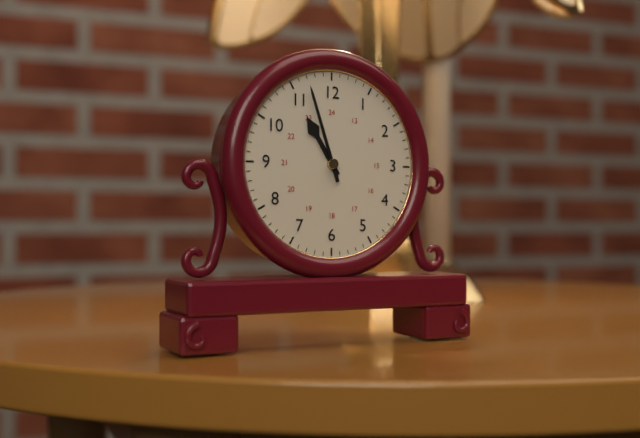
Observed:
{"hour": 10, "minute": 57}
